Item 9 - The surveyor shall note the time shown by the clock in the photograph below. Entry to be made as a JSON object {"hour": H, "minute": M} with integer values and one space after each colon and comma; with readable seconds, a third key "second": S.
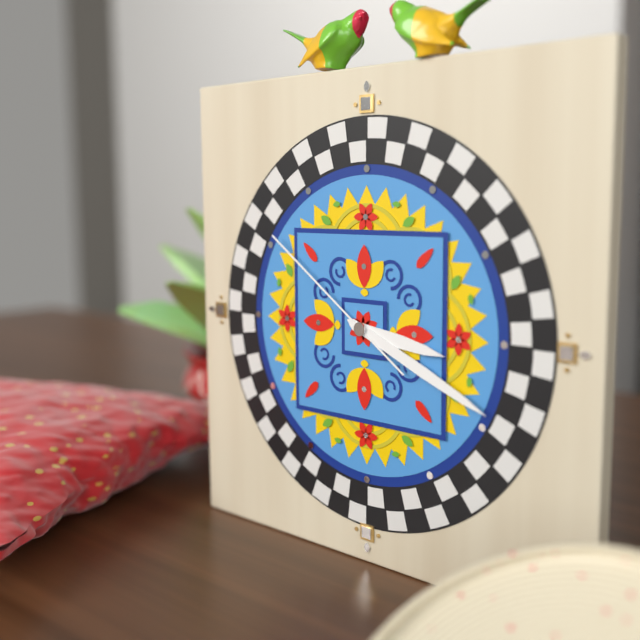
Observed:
{"hour": 3, "minute": 19, "second": 51}
